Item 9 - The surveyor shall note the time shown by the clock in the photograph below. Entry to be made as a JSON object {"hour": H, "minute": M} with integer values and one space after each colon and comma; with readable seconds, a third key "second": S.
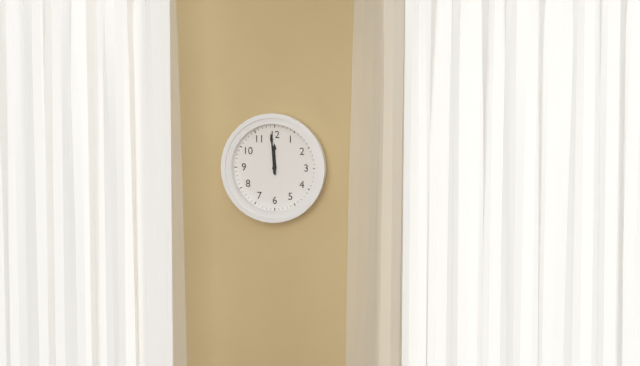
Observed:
{"hour": 11, "minute": 59}
